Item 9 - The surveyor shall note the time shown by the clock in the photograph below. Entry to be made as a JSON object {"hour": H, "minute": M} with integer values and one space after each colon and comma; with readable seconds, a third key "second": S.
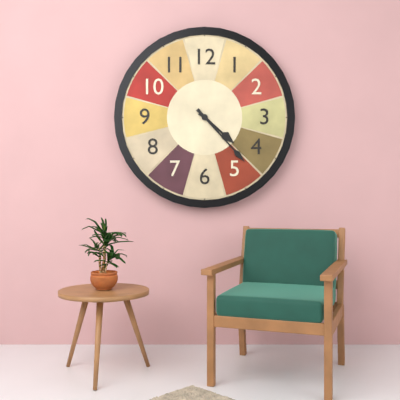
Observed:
{"hour": 4, "minute": 23}
